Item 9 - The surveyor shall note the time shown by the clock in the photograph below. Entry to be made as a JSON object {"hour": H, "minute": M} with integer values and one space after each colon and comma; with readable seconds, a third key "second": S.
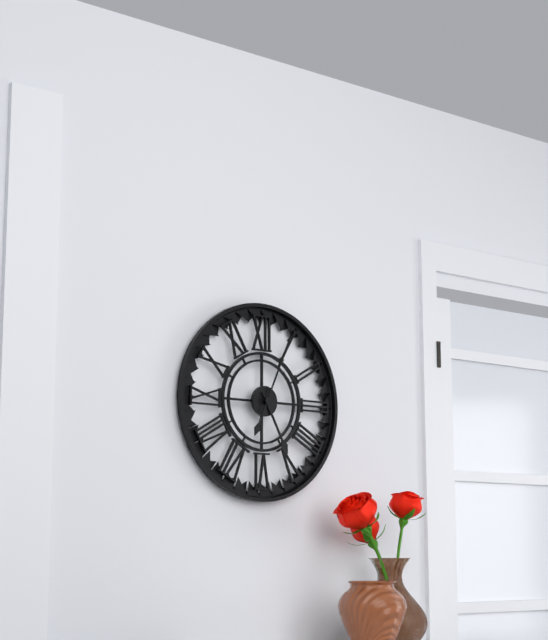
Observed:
{"hour": 5, "minute": 4}
